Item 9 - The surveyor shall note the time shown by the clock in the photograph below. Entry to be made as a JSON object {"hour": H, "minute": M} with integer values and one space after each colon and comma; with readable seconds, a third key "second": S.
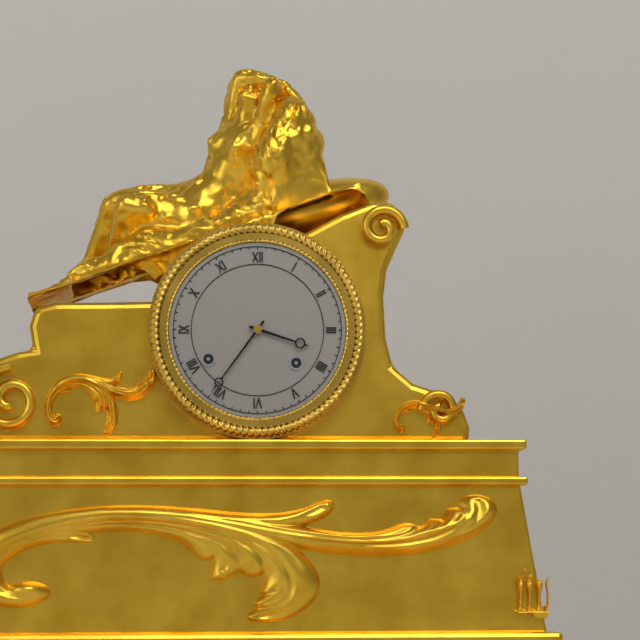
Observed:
{"hour": 3, "minute": 36}
